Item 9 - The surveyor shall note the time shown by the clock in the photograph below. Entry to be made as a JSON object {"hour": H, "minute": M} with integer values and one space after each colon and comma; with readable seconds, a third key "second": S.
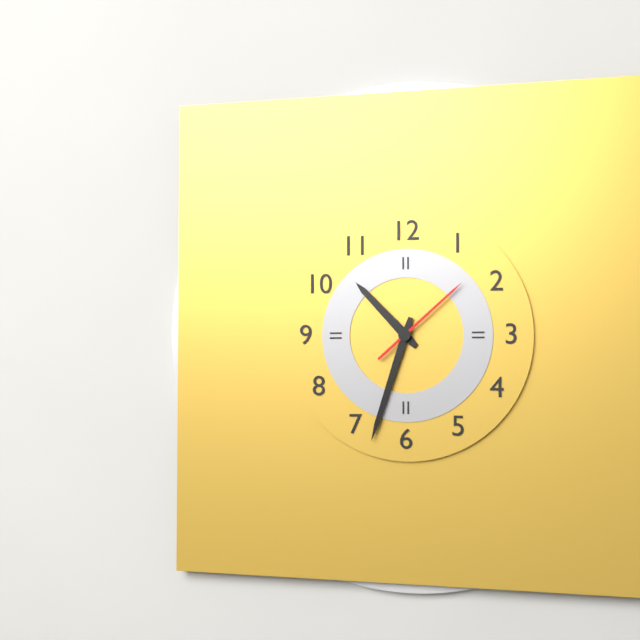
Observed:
{"hour": 10, "minute": 33, "second": 8}
